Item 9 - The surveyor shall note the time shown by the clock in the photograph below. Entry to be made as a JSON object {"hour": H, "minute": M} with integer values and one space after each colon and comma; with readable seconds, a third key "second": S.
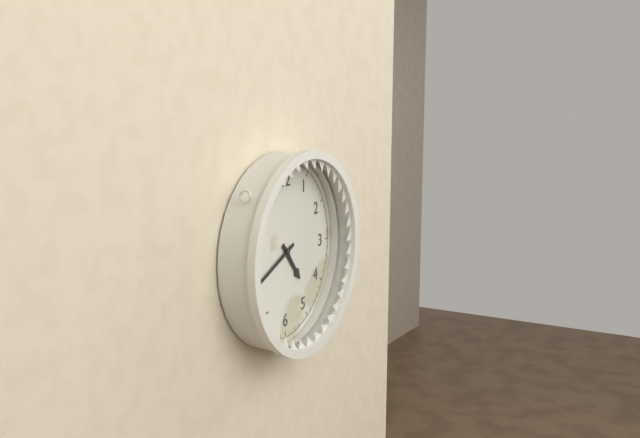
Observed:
{"hour": 4, "minute": 41}
